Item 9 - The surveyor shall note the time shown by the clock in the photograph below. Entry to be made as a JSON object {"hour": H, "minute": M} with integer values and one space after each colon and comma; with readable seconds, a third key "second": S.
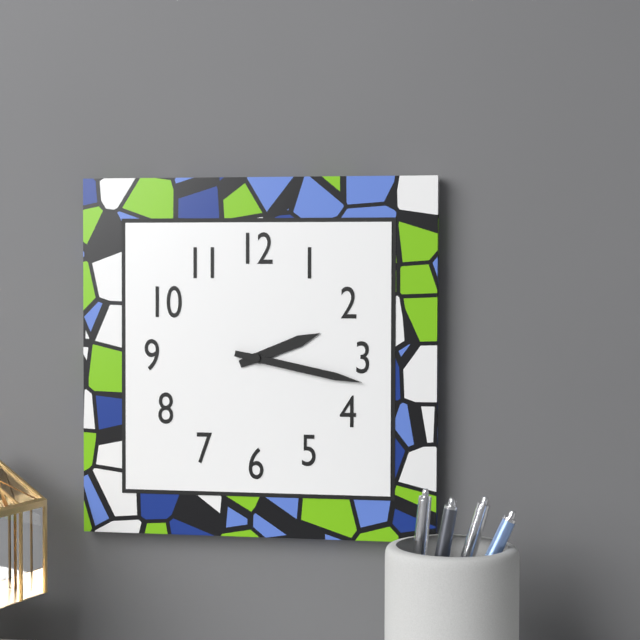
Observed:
{"hour": 2, "minute": 17}
